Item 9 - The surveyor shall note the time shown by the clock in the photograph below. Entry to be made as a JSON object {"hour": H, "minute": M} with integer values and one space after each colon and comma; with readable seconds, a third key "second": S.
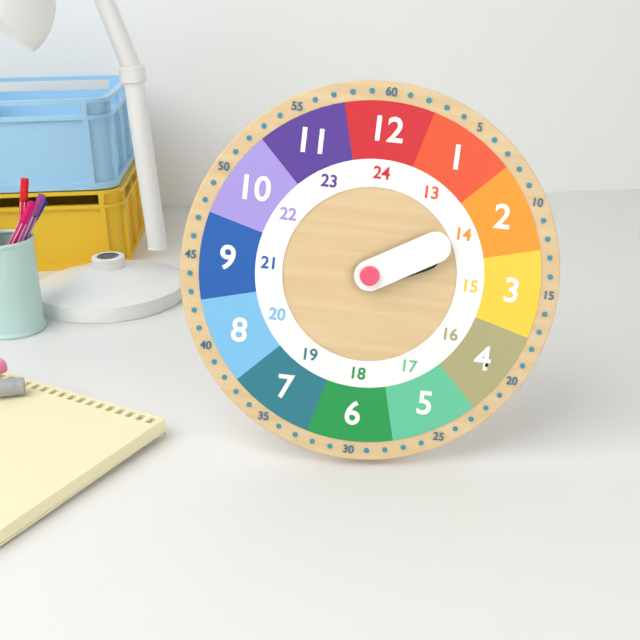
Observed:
{"hour": 2, "minute": 10}
